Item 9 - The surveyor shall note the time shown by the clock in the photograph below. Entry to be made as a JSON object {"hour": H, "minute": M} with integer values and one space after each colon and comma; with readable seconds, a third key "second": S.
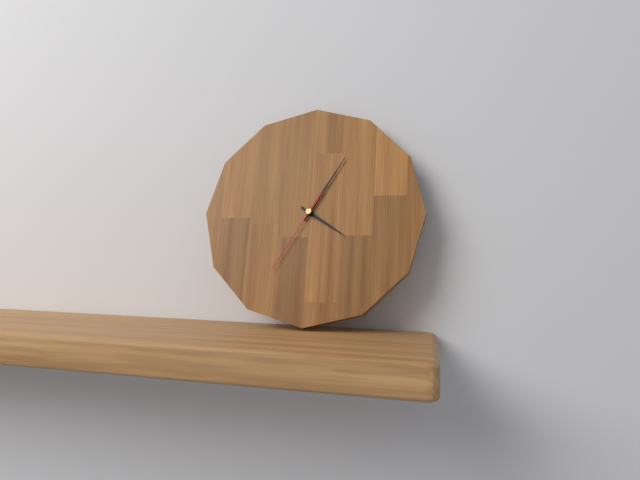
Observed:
{"hour": 4, "minute": 5, "second": 35}
